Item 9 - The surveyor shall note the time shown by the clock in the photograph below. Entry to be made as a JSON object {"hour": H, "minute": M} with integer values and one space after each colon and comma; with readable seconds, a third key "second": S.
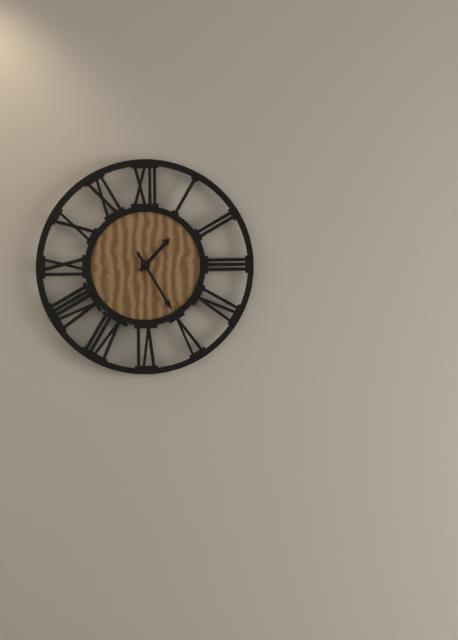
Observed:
{"hour": 1, "minute": 25}
